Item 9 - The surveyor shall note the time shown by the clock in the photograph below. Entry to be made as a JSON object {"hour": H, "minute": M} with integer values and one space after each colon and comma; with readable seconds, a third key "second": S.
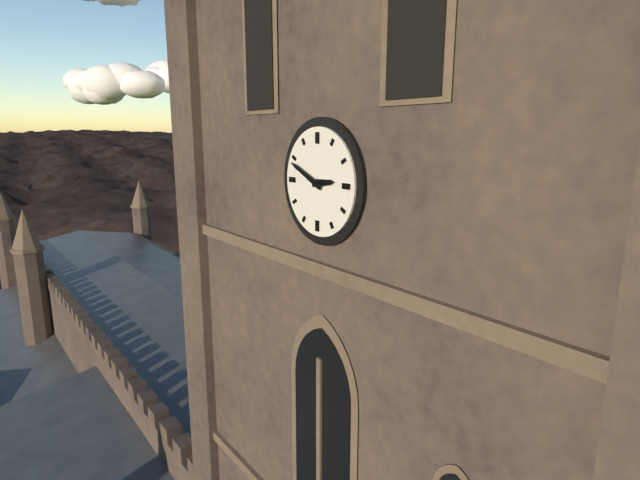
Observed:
{"hour": 2, "minute": 49}
